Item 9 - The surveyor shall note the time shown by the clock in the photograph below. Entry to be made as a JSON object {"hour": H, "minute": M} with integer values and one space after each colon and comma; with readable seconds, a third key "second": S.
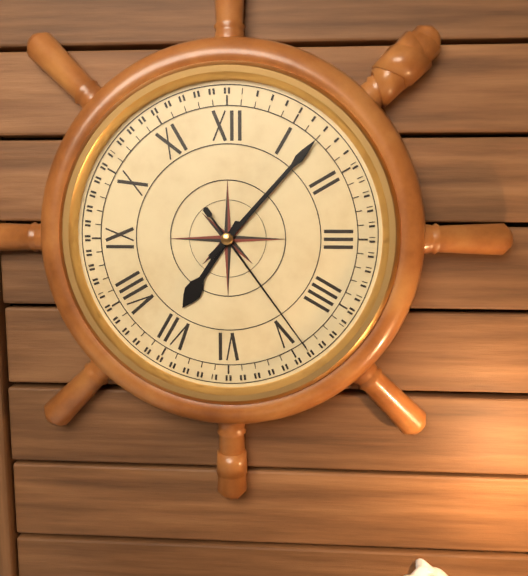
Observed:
{"hour": 7, "minute": 7, "second": 24}
